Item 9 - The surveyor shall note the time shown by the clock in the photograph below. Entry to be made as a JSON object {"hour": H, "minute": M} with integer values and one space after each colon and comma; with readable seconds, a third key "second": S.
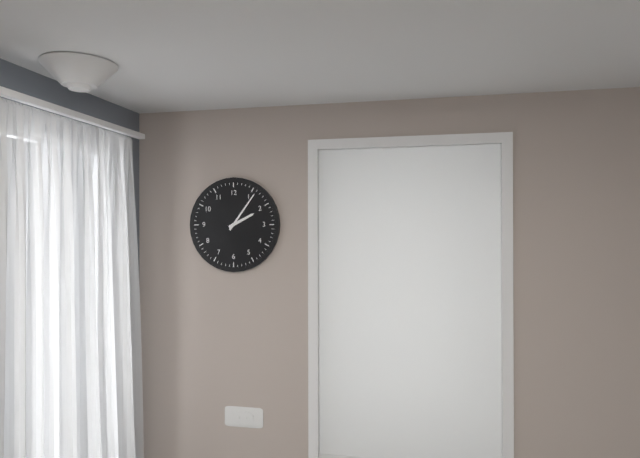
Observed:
{"hour": 2, "minute": 6}
